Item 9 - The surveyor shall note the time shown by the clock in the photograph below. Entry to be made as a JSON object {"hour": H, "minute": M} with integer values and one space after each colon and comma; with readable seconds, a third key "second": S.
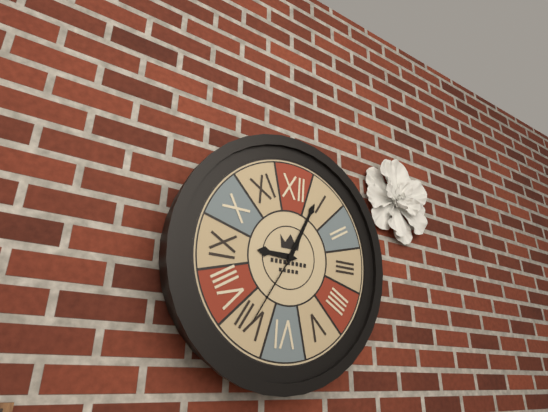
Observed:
{"hour": 9, "minute": 4, "second": 35}
